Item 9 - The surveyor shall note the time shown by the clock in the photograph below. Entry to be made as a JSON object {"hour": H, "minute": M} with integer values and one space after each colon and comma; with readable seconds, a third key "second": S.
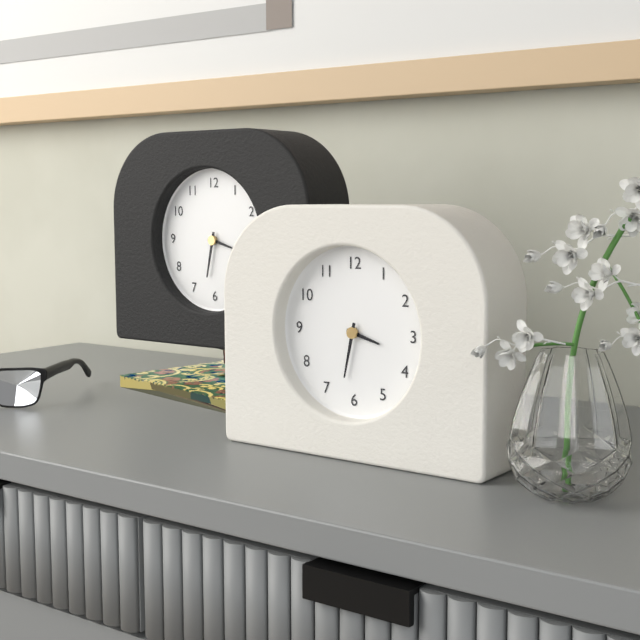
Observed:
{"hour": 3, "minute": 32}
